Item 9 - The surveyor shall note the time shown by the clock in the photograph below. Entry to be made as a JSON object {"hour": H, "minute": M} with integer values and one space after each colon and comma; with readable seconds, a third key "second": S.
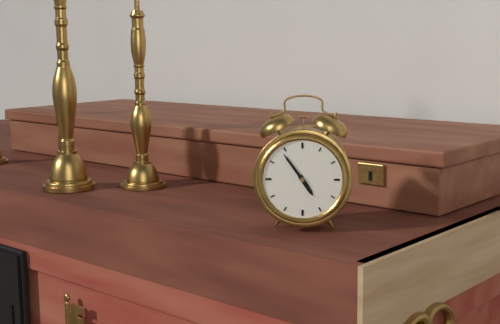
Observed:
{"hour": 4, "minute": 54}
